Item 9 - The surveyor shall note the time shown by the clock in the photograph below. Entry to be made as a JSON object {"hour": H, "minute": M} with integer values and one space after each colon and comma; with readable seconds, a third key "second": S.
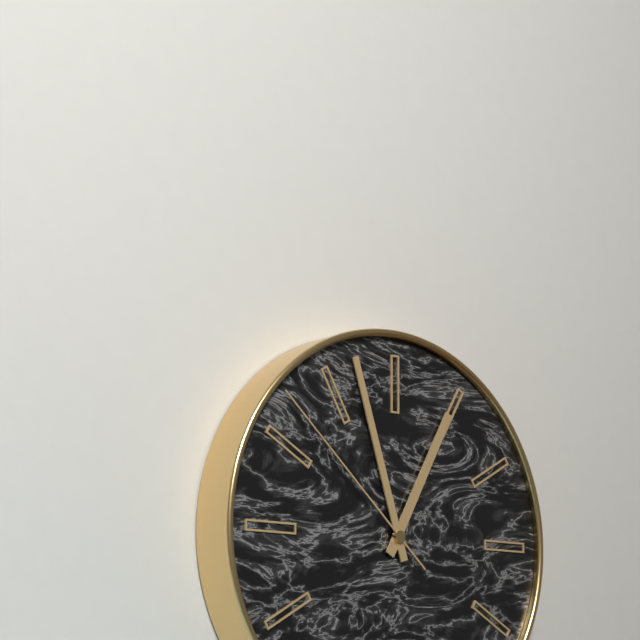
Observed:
{"hour": 12, "minute": 57, "second": 52}
